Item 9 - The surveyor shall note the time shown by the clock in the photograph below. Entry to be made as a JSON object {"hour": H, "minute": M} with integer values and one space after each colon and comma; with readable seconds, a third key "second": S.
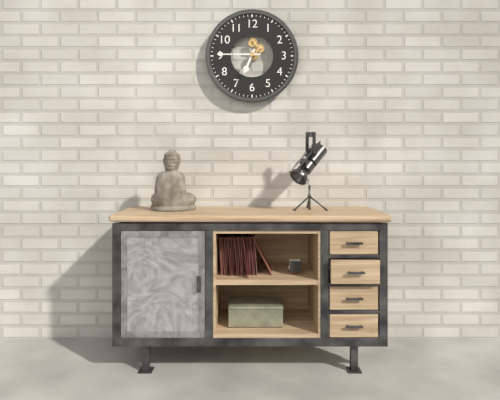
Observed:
{"hour": 6, "minute": 45}
